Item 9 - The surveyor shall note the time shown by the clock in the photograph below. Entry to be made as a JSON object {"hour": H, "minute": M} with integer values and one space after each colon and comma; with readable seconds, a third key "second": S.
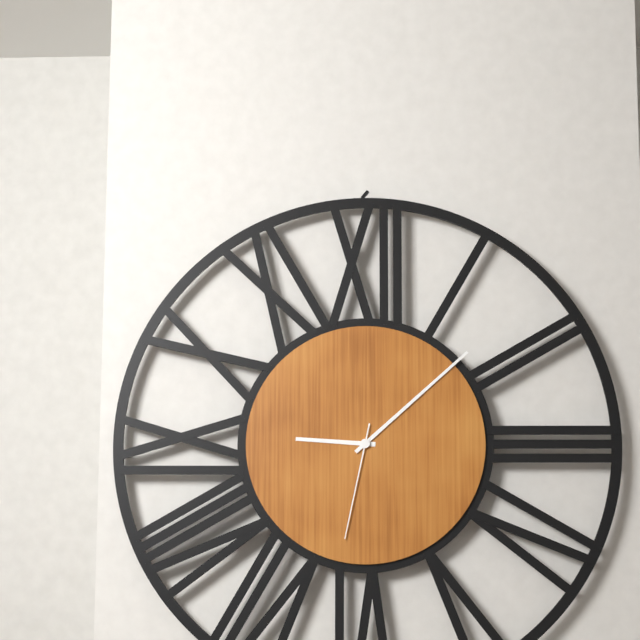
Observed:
{"hour": 9, "minute": 8, "second": 32}
